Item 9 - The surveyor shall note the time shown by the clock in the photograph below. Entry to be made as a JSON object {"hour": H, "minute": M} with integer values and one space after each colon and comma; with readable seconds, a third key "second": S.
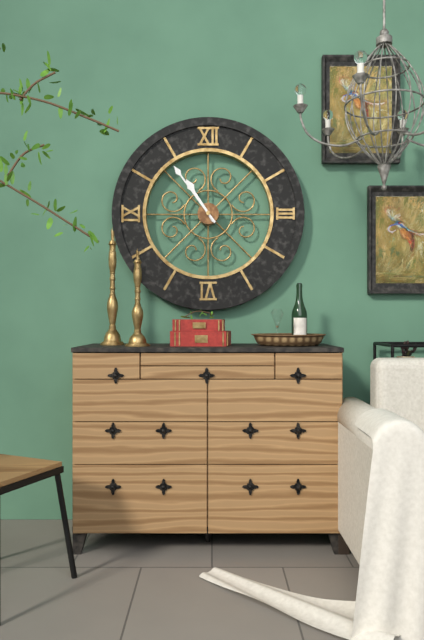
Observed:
{"hour": 10, "minute": 54}
